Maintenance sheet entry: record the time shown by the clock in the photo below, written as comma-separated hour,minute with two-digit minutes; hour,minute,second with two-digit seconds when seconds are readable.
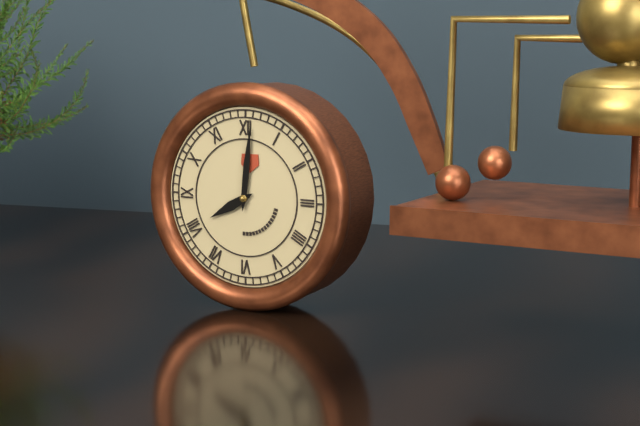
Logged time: 8,01
